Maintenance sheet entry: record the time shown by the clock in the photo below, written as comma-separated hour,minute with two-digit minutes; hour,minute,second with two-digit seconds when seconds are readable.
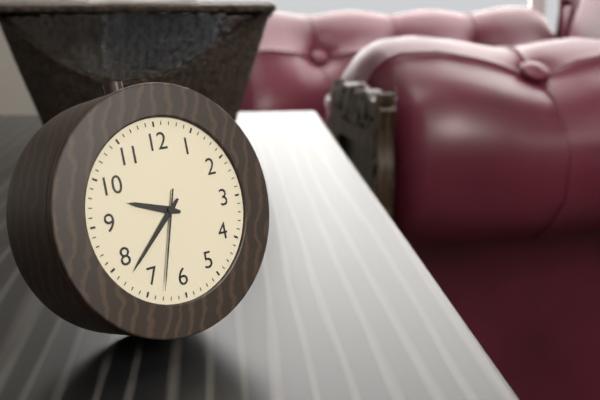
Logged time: 9,38,33
